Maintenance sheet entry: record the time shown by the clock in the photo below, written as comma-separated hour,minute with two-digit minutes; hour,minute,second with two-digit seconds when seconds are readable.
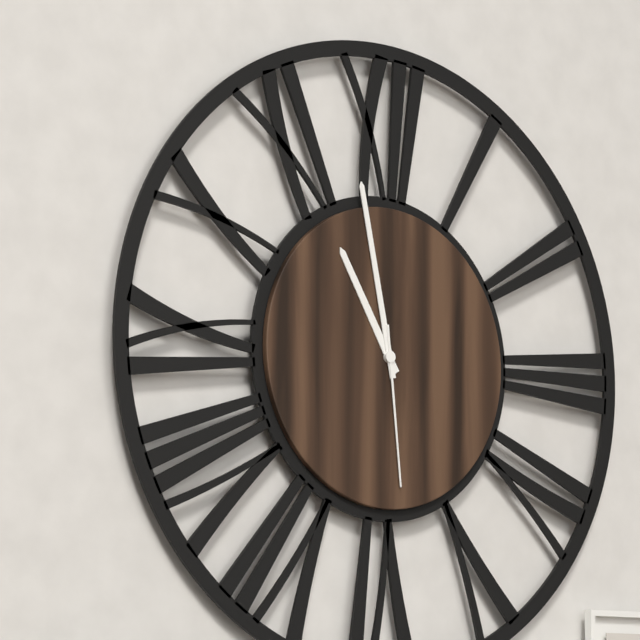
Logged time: 10,58,29
